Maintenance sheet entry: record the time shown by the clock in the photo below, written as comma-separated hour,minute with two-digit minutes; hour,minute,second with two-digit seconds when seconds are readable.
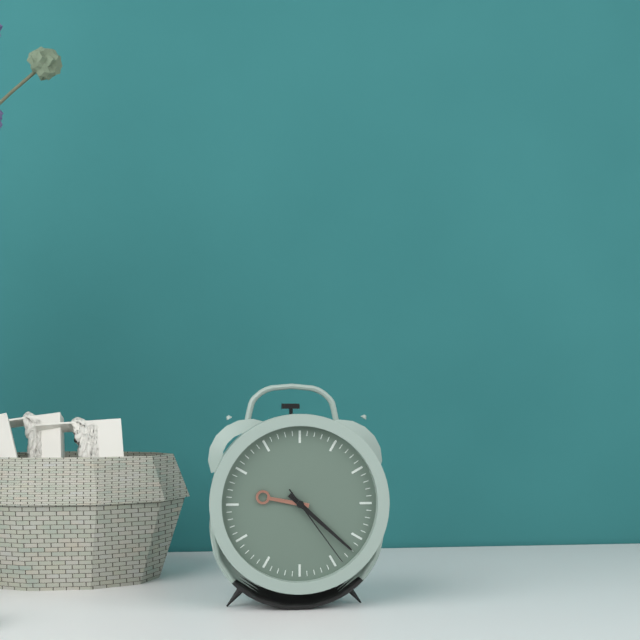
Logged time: 9,22,24
